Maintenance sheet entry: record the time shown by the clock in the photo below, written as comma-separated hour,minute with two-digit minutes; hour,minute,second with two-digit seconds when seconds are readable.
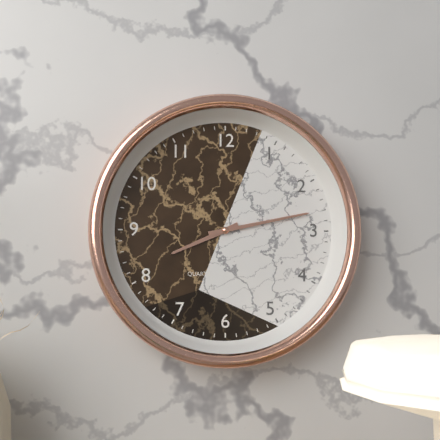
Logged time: 8,13
